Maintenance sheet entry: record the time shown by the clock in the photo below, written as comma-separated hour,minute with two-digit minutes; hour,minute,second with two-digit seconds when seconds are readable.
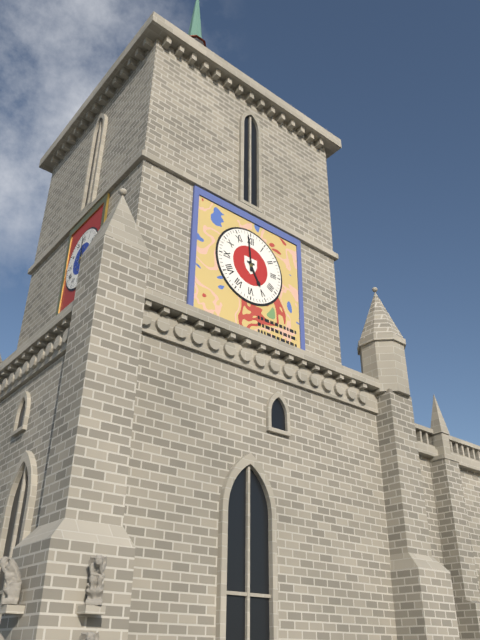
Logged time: 4,59
